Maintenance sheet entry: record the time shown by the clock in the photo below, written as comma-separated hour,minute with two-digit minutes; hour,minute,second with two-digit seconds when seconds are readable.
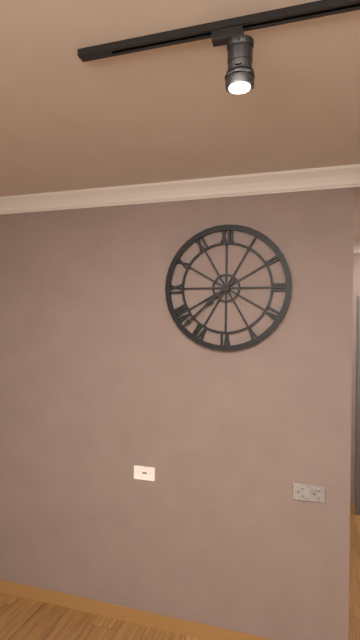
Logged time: 7,38
